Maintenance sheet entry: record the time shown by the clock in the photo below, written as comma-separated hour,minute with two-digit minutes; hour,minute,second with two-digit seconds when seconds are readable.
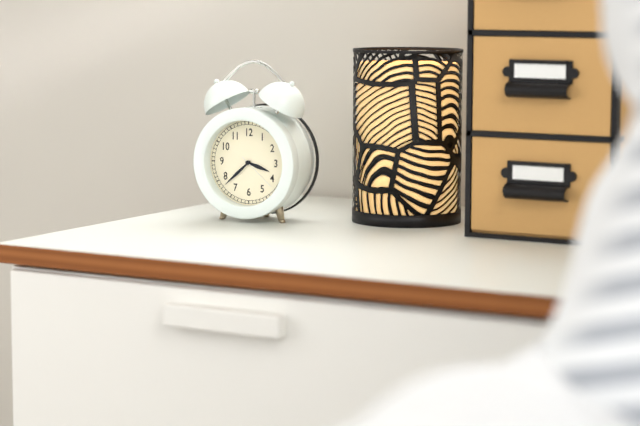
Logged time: 3,38
